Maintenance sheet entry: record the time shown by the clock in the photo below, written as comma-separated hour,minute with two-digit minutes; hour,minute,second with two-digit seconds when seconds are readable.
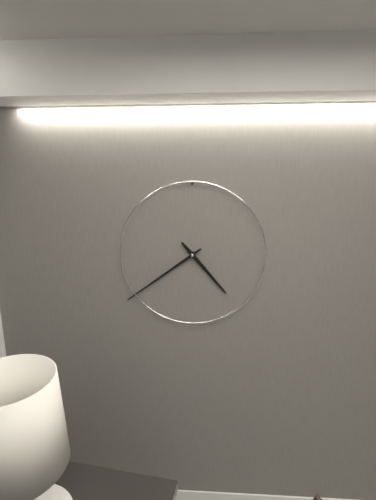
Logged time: 4,39
